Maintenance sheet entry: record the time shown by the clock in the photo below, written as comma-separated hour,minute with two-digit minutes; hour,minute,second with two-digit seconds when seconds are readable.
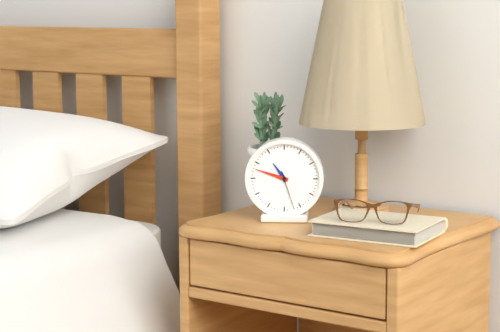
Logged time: 10,48
